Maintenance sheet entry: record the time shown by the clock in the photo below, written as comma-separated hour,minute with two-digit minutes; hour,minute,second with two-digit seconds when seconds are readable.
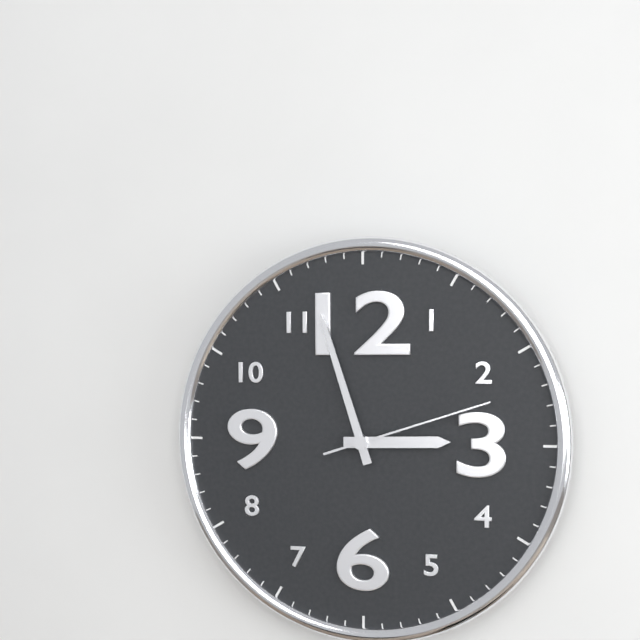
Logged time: 2,57,12
